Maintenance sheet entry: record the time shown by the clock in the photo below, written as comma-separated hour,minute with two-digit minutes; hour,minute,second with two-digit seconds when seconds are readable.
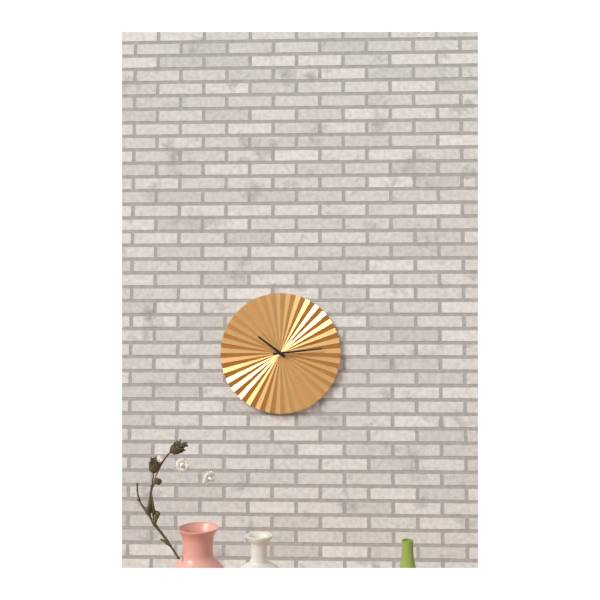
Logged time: 10,14
